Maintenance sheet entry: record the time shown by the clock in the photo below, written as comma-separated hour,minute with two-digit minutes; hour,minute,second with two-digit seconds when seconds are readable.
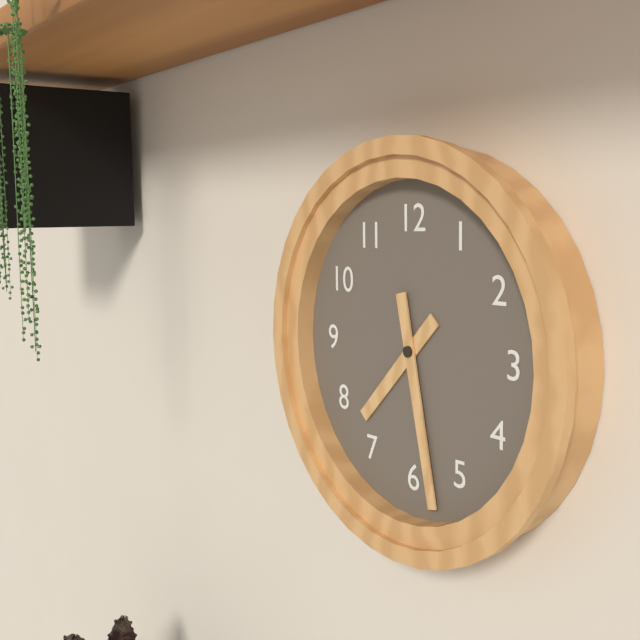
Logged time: 7,28
